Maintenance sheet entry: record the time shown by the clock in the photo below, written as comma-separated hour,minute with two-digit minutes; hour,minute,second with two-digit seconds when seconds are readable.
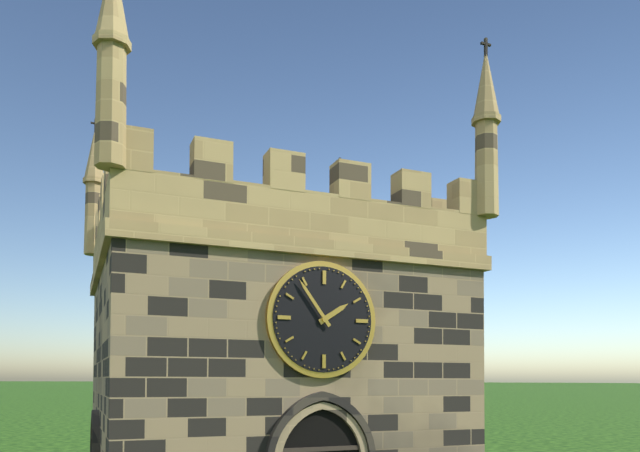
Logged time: 1,54
